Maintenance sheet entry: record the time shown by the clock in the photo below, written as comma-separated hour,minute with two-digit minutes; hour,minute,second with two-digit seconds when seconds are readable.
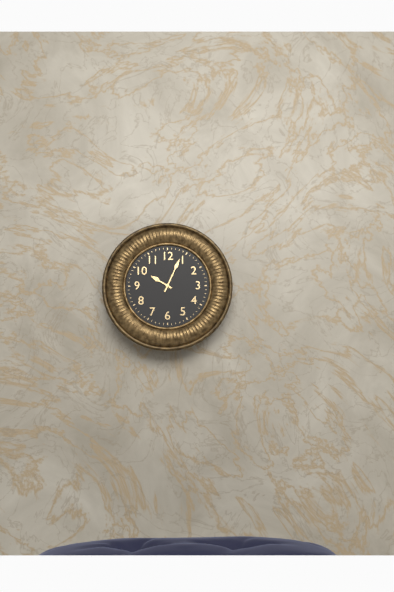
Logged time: 10,04
